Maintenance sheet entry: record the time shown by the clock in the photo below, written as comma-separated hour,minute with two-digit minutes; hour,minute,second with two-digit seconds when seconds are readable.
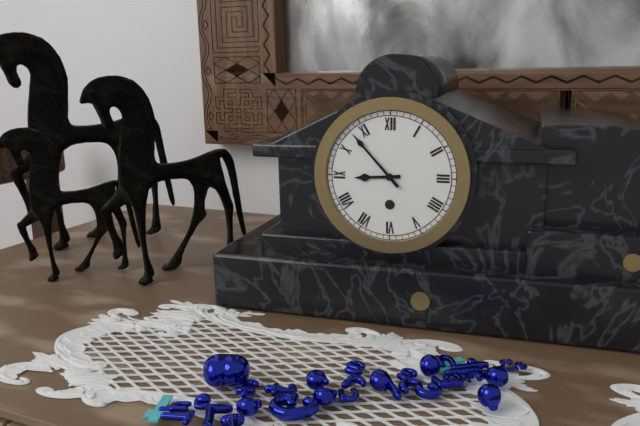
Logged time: 8,53
